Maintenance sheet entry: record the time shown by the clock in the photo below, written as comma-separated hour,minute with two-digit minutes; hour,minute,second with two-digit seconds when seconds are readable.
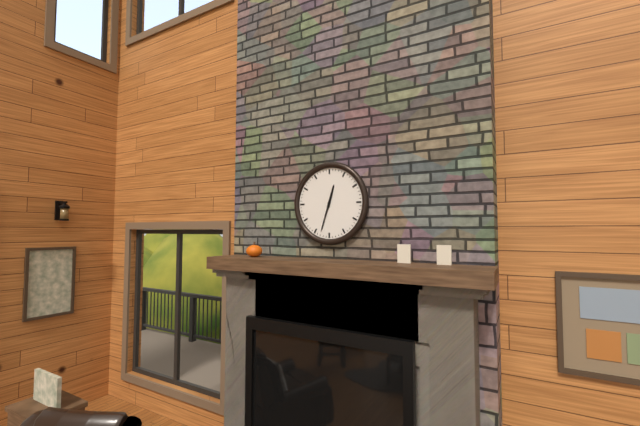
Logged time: 12,33
